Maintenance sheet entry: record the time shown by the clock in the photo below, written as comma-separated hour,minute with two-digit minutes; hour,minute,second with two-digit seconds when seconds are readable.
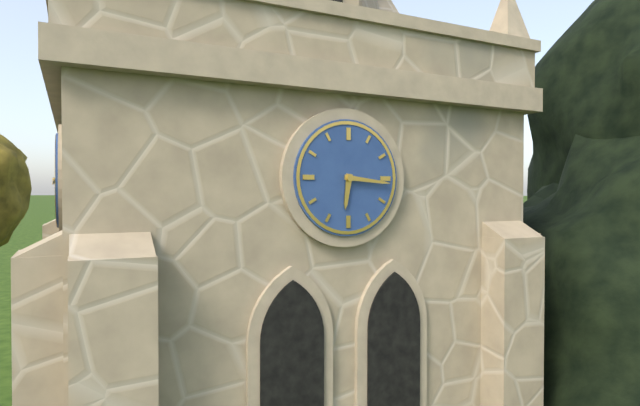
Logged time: 6,16
